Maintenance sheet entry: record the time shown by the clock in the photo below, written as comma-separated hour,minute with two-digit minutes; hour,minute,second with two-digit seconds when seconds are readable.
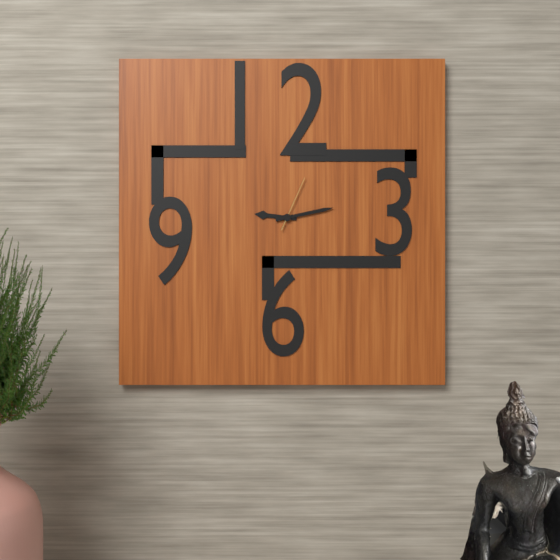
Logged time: 9,13,04
